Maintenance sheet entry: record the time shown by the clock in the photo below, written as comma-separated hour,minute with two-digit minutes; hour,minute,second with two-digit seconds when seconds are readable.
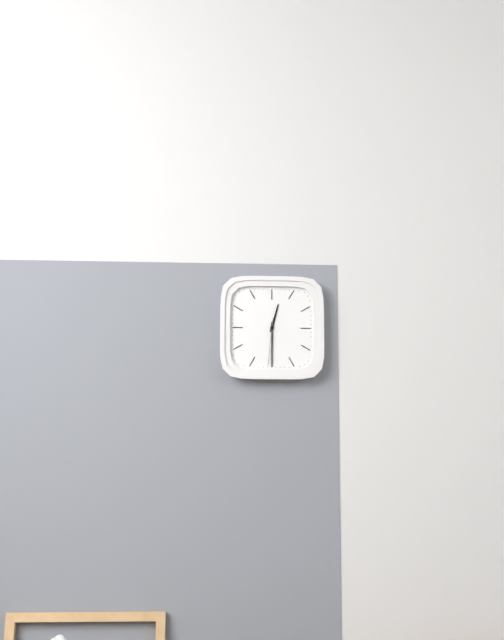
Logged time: 12,30
